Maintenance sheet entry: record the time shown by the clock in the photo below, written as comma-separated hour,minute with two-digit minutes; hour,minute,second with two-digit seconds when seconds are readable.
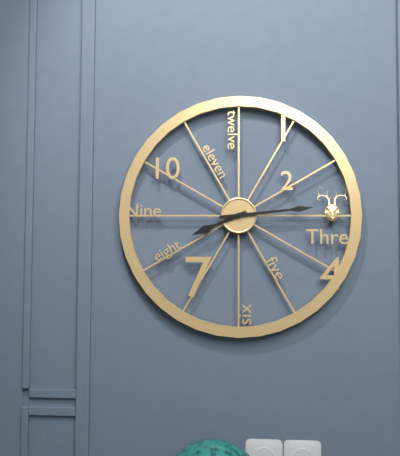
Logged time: 8,14
